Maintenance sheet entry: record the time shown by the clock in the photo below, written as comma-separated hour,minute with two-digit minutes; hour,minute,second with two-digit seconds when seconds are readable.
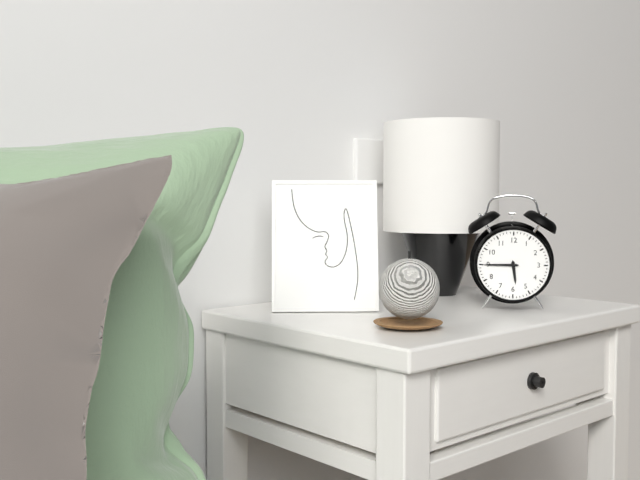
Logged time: 5,45
